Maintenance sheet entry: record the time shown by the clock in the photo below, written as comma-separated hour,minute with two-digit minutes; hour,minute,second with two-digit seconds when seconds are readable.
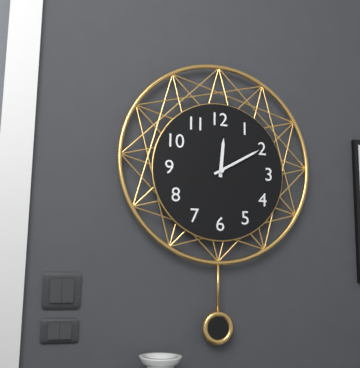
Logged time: 12,10
